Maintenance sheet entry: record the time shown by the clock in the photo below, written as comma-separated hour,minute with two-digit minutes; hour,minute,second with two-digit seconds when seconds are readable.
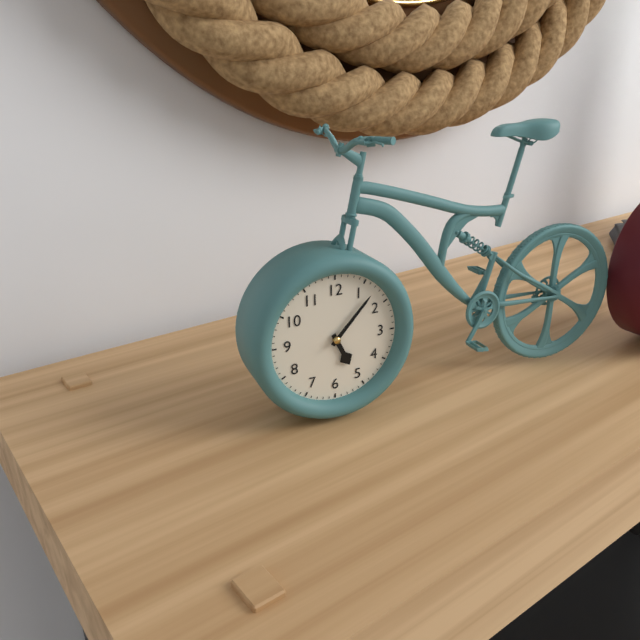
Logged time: 5,07
